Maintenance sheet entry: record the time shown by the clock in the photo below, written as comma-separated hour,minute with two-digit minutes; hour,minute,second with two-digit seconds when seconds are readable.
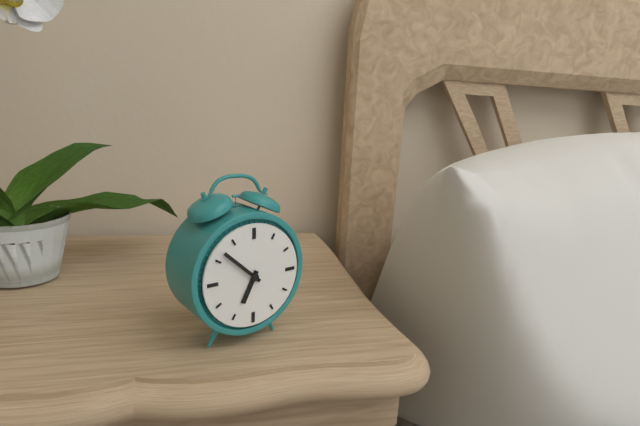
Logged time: 6,52
